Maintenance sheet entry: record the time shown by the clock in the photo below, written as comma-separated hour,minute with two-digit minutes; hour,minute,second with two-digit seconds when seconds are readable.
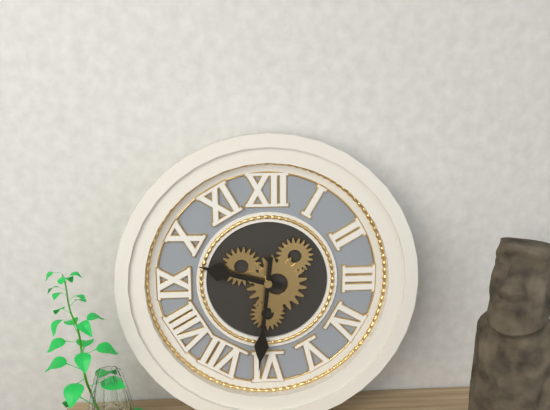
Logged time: 9,31
